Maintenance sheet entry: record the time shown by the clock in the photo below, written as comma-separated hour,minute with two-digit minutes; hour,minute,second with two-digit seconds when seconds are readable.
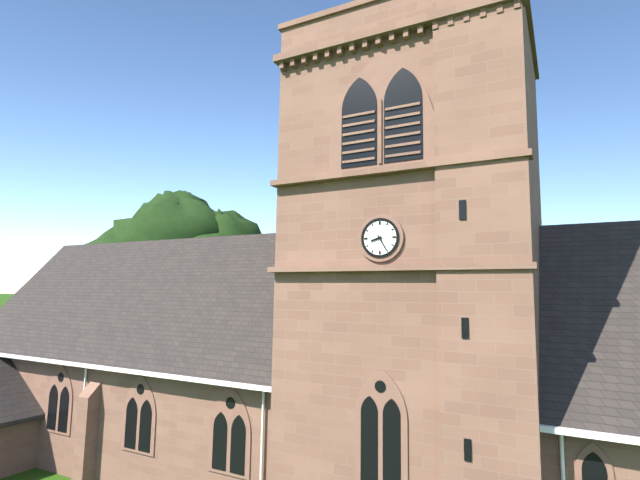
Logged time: 8,25
